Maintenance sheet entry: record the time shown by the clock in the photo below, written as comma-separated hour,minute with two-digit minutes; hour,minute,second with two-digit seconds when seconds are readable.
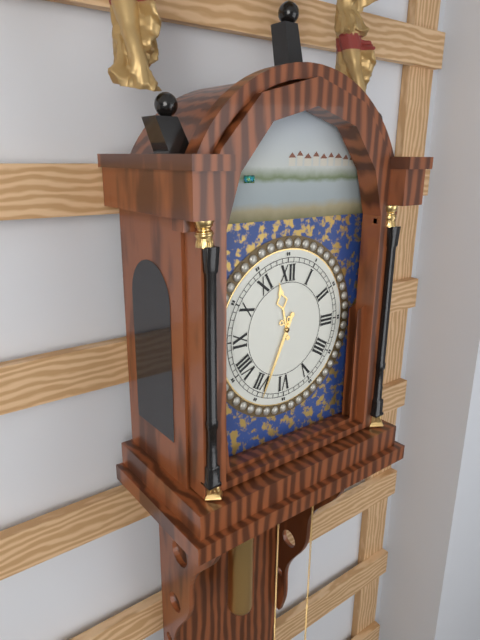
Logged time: 11,34
